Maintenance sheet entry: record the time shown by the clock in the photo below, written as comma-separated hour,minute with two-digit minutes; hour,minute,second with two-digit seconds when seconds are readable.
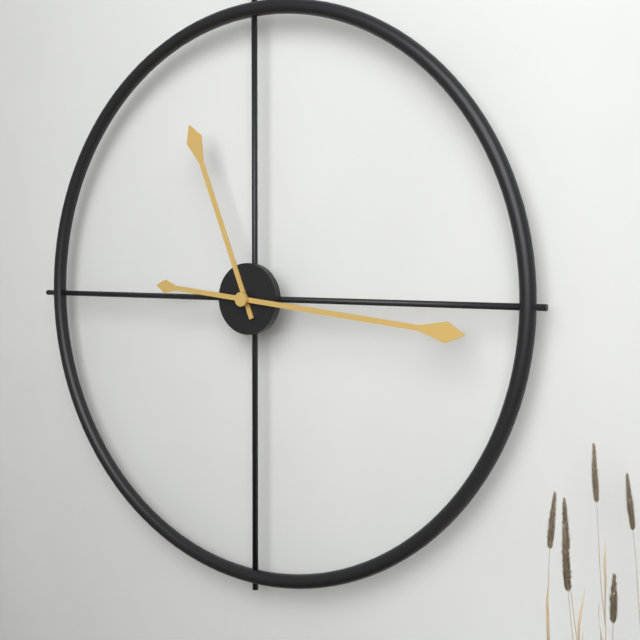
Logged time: 11,16
